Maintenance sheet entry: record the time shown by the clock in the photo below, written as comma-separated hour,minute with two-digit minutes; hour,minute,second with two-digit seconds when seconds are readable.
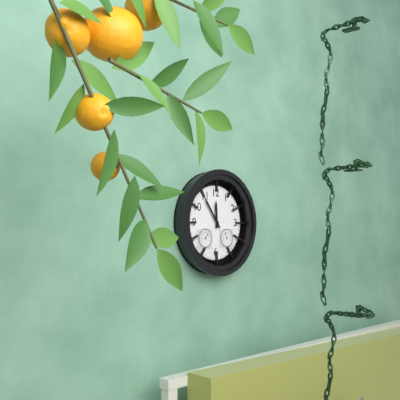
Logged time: 11,54
